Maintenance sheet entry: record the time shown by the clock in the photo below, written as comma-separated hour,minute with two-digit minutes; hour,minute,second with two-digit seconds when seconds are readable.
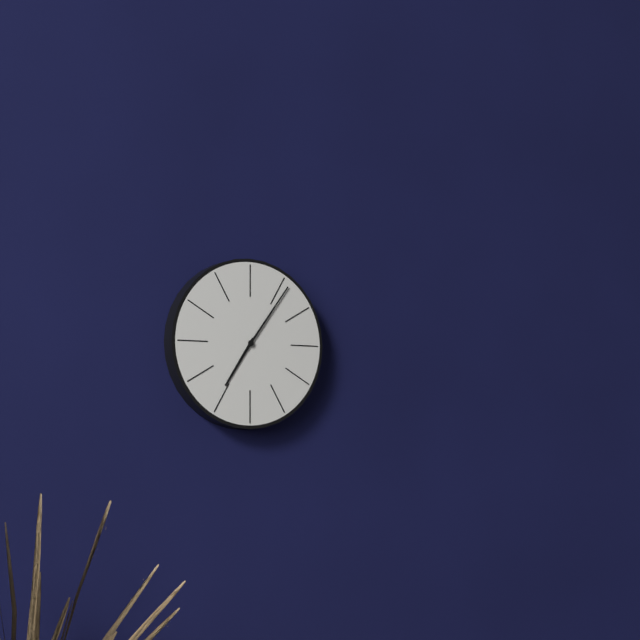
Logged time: 7,06
